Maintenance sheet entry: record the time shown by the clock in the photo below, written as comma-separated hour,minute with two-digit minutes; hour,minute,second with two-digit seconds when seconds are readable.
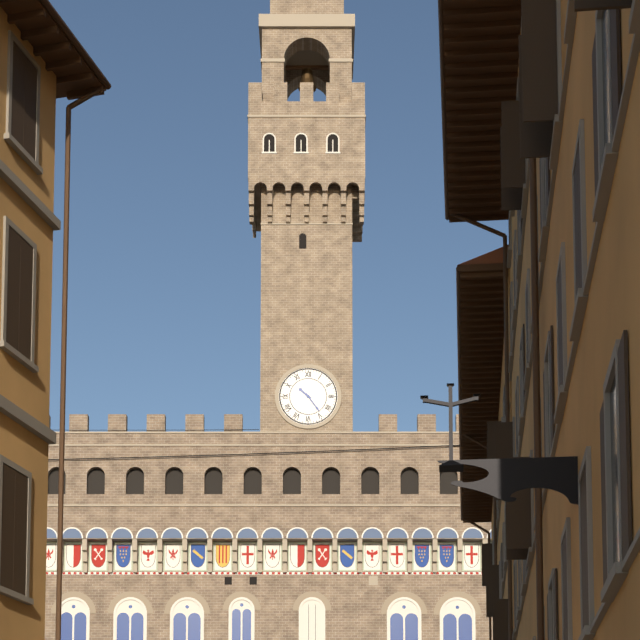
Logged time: 10,24
